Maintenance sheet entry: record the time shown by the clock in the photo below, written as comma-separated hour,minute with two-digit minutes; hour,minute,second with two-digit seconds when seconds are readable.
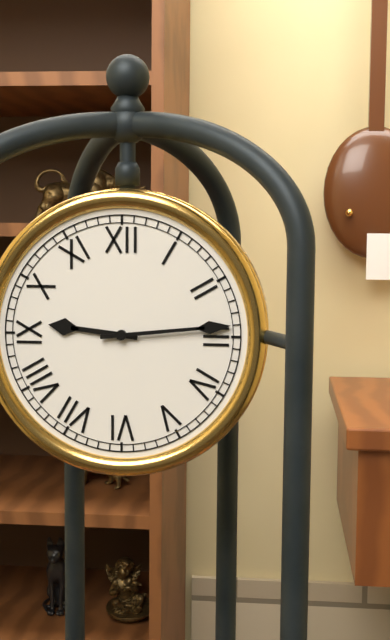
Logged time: 9,14
